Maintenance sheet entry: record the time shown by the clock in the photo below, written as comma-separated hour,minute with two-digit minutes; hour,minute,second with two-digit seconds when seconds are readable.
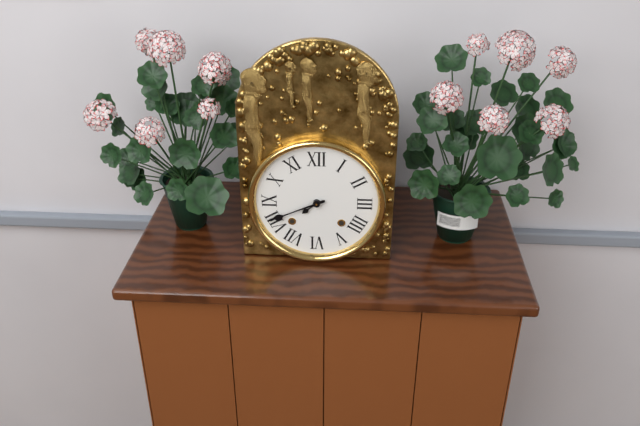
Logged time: 7,41
